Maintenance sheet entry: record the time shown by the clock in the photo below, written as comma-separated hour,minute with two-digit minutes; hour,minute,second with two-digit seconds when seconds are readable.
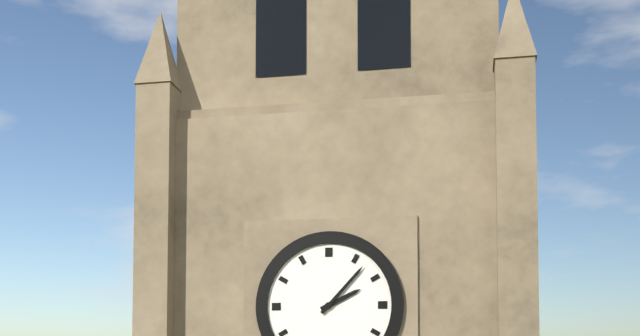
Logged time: 2,07
